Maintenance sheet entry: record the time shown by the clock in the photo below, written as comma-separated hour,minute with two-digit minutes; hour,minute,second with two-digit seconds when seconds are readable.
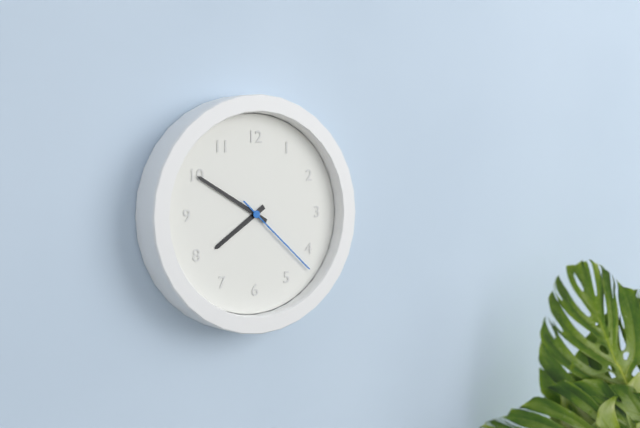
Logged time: 7,50,22
